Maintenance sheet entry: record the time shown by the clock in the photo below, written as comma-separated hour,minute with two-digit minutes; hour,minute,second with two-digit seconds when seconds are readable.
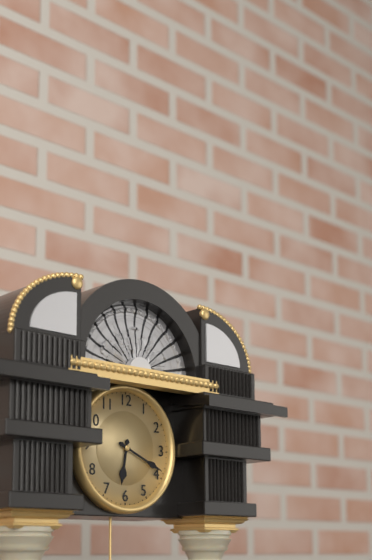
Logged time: 6,19
